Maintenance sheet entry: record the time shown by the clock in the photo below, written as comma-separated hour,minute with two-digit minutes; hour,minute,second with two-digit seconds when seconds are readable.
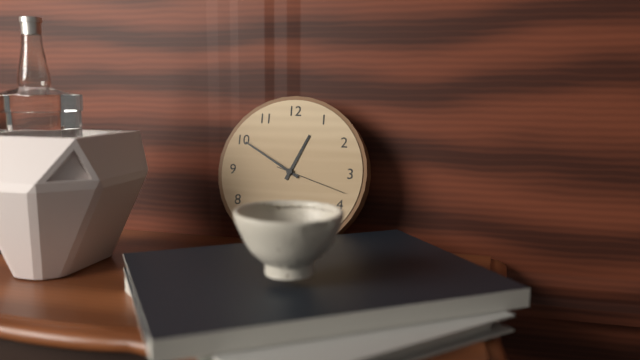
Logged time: 12,50,18
